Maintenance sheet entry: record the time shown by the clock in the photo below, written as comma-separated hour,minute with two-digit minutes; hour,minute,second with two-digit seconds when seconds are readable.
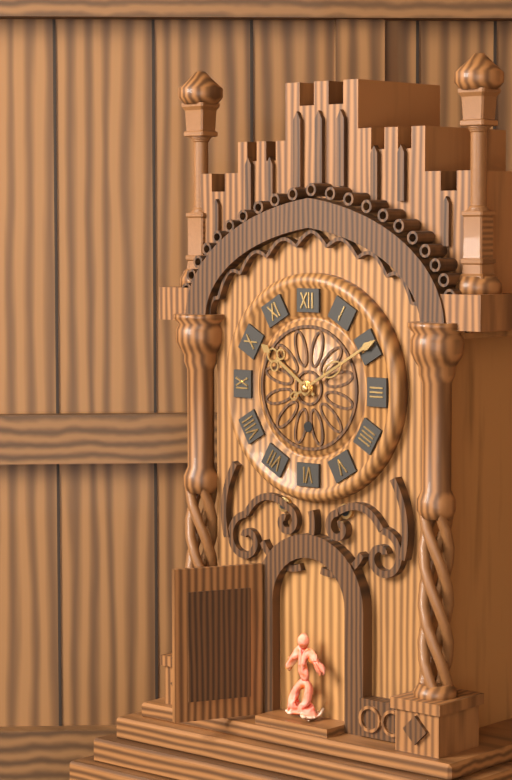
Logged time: 10,10
